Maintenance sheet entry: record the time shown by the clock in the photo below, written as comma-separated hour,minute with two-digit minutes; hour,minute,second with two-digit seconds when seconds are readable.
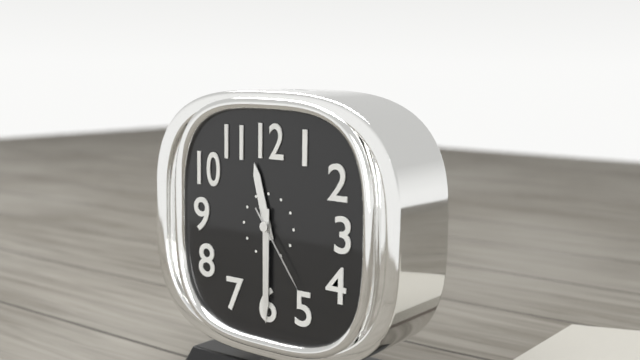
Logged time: 11,30,24
